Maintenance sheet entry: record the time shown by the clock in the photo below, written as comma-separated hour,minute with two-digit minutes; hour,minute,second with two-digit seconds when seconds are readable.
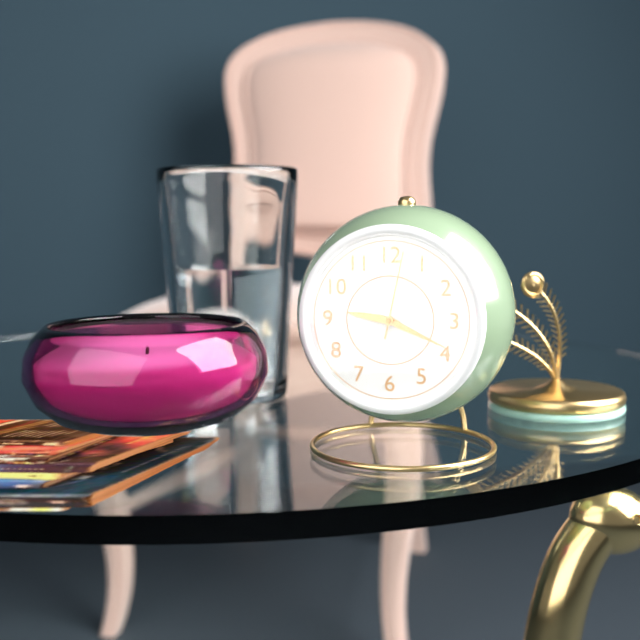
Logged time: 9,19,02
